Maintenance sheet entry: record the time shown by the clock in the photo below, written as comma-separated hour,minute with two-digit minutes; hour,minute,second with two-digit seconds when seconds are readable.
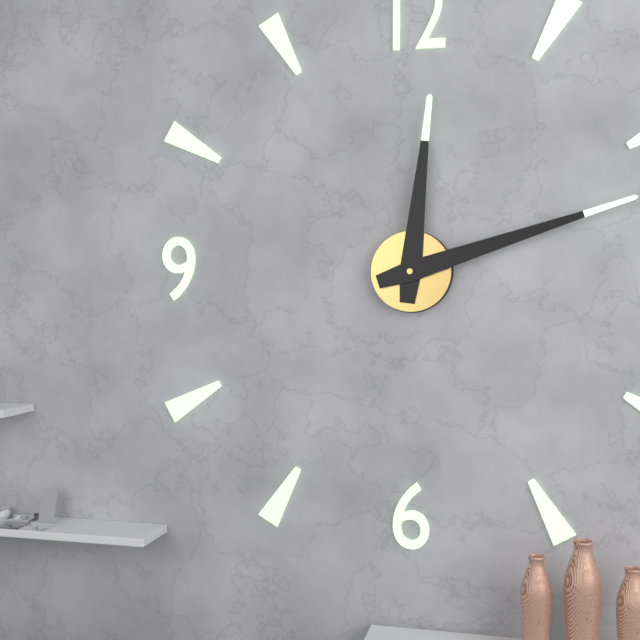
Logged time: 12,12
